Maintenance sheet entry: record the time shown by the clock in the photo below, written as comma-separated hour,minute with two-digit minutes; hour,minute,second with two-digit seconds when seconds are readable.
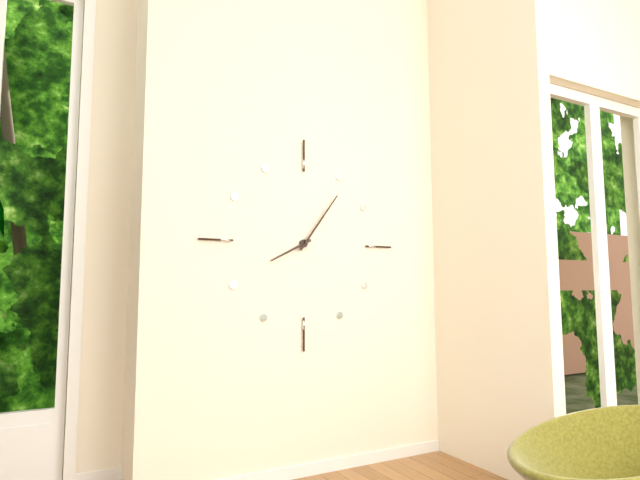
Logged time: 8,06
